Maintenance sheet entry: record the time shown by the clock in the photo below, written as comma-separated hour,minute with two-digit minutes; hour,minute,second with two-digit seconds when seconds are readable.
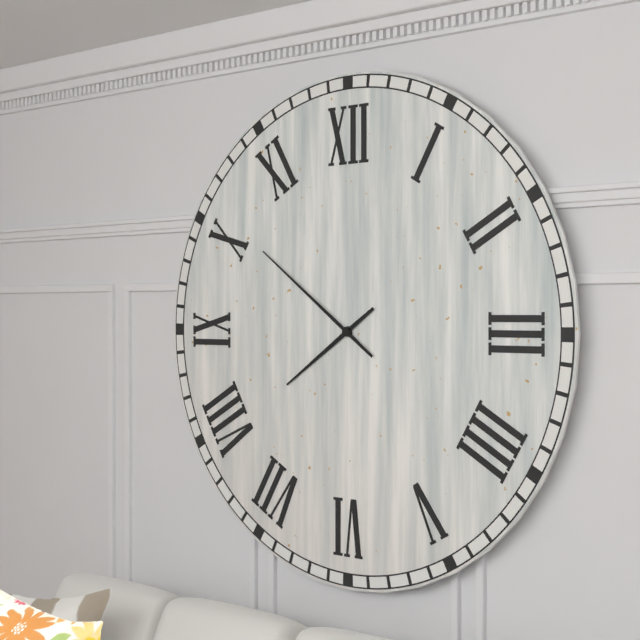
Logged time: 7,51
